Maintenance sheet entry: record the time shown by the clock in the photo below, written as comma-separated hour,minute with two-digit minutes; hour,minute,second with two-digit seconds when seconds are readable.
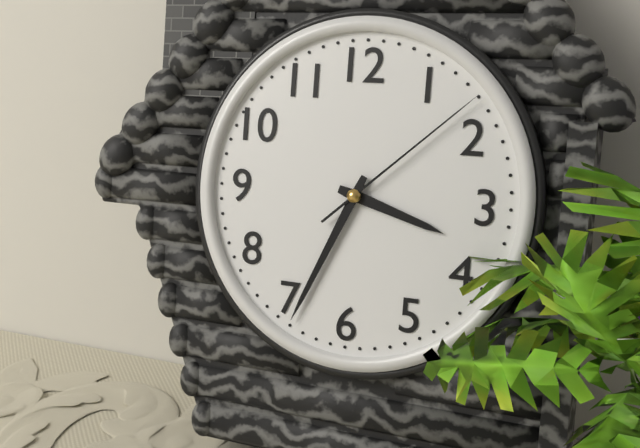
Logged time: 3,34,08
